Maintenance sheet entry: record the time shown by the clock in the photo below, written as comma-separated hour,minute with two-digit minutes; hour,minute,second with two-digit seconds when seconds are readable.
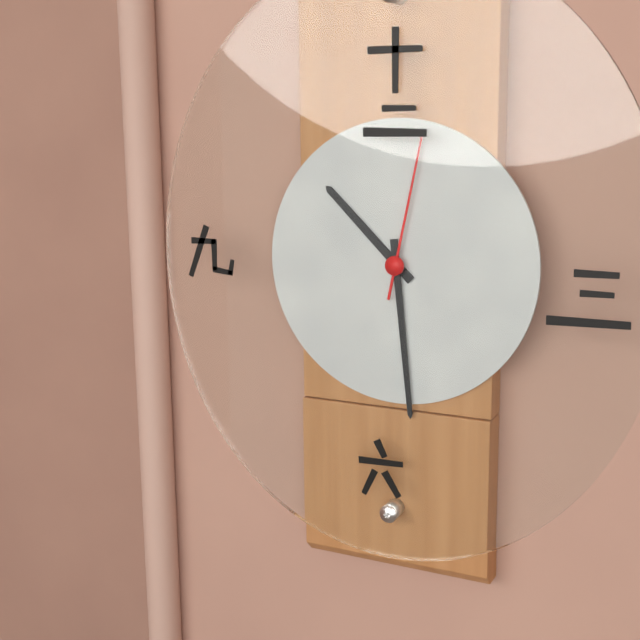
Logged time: 10,29,02
